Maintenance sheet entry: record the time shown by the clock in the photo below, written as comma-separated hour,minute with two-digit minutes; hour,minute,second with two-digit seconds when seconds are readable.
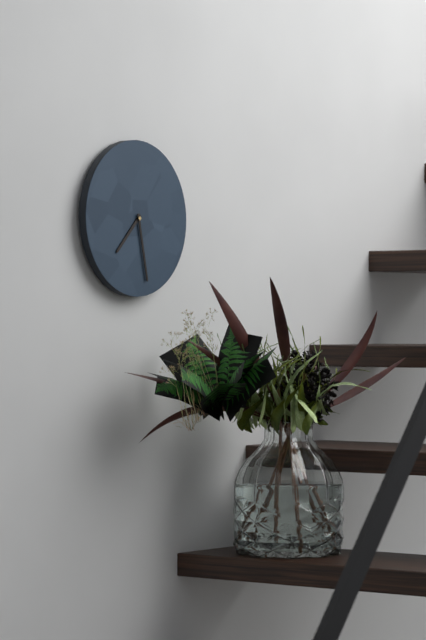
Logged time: 7,28
